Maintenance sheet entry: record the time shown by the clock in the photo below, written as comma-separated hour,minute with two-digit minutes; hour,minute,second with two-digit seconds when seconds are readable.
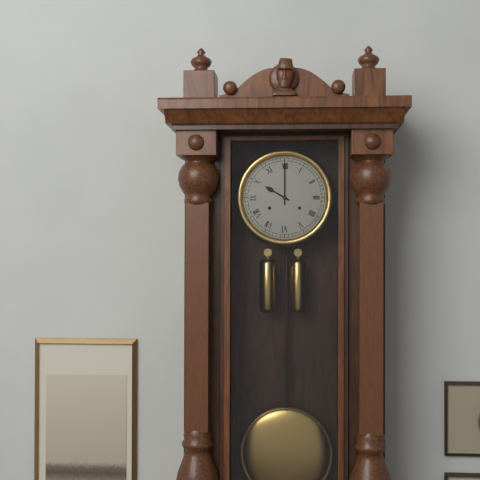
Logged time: 10,00
